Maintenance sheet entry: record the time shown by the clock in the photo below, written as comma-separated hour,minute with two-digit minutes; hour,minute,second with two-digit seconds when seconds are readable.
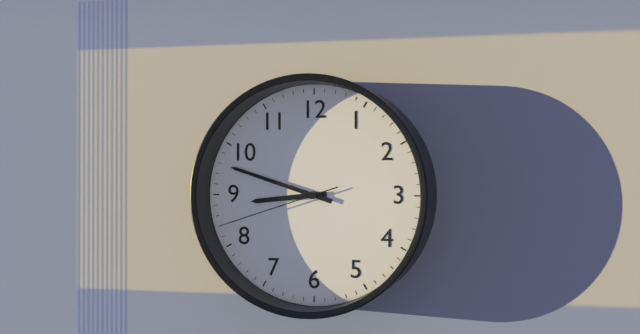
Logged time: 8,48,42
